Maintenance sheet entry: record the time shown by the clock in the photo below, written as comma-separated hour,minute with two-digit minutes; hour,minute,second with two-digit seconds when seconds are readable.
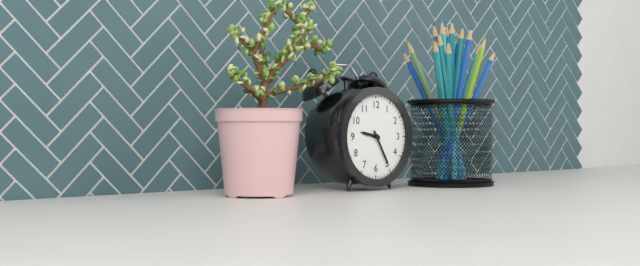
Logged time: 9,25
